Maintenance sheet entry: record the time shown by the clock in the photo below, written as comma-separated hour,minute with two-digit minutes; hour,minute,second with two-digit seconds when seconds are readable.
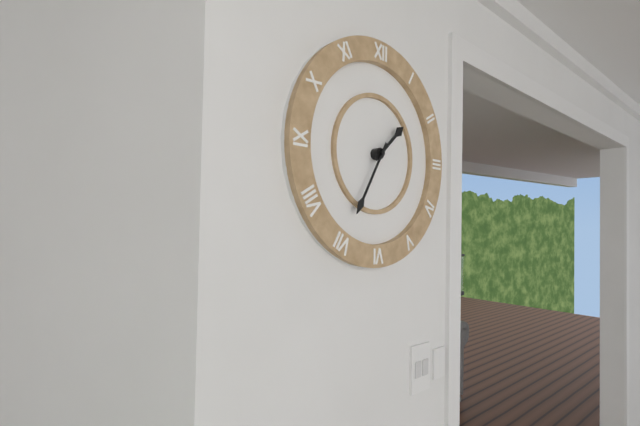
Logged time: 1,35
